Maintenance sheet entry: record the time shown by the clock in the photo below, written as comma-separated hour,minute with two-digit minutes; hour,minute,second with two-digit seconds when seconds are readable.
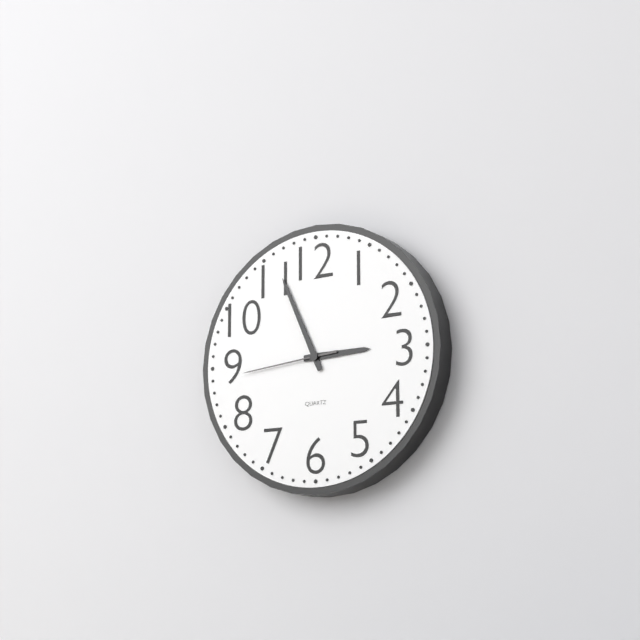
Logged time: 2,56,44
